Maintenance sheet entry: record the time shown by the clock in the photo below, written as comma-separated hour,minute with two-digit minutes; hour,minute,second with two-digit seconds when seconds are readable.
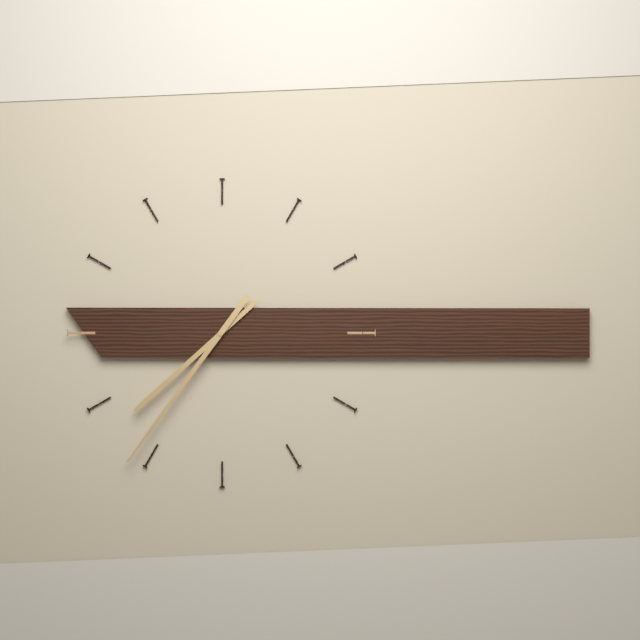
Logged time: 7,36
